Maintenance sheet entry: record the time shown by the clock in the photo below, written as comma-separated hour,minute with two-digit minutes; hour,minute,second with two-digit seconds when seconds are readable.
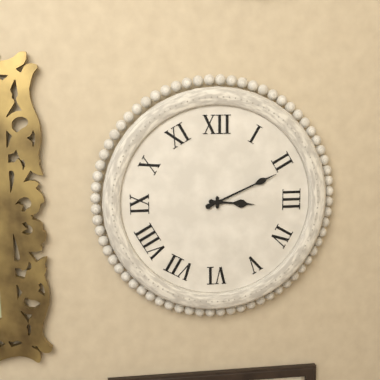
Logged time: 3,11
